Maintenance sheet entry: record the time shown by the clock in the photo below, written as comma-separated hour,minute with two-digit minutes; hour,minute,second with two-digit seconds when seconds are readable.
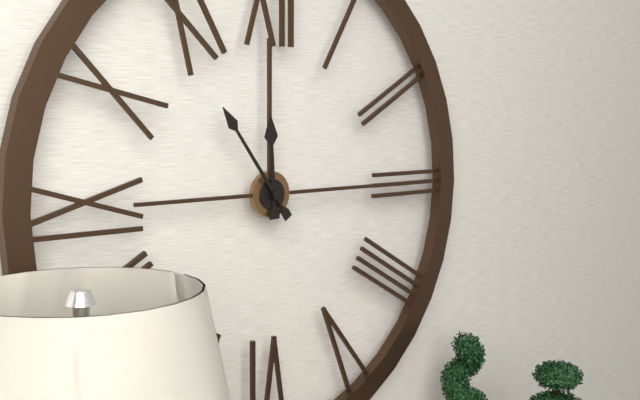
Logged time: 11,54
